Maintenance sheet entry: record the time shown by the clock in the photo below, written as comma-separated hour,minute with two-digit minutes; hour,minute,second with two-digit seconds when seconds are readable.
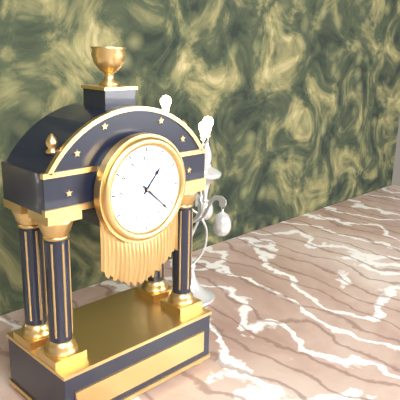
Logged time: 1,22
